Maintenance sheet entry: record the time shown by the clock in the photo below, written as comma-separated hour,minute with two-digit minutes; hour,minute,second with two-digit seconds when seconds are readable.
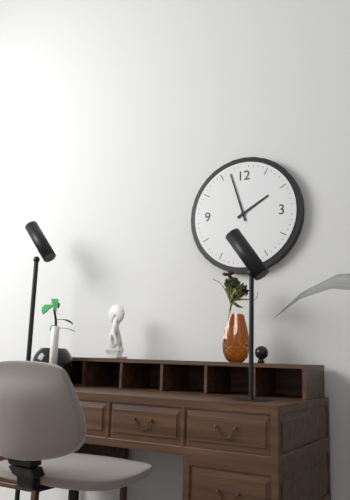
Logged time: 1,57
